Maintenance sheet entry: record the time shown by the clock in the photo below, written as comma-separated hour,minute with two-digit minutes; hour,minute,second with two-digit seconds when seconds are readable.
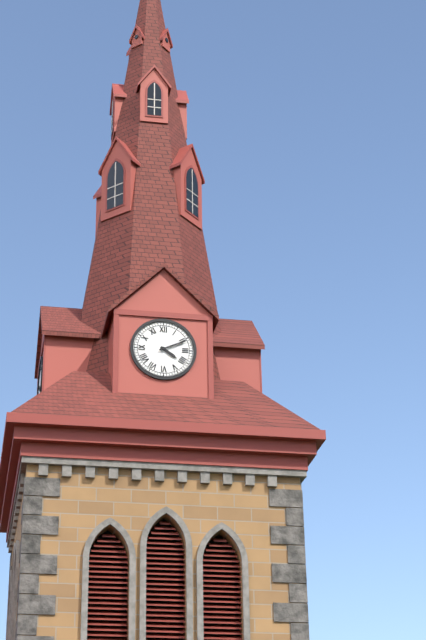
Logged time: 4,11
